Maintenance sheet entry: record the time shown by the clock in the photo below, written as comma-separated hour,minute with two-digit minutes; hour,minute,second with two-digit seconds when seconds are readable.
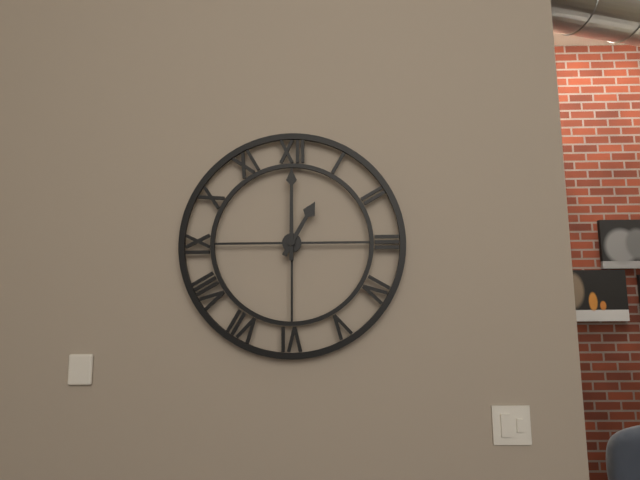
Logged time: 1,00
